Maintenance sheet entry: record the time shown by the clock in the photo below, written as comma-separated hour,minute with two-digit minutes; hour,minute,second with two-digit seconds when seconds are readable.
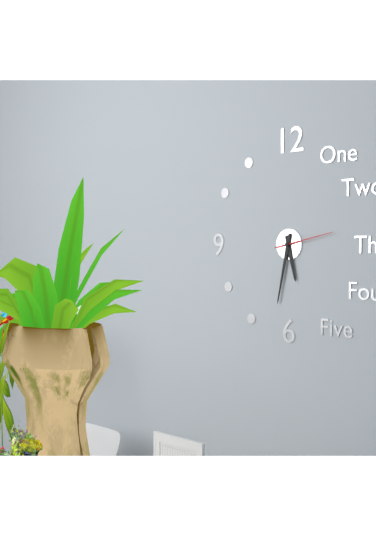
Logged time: 5,32,13
